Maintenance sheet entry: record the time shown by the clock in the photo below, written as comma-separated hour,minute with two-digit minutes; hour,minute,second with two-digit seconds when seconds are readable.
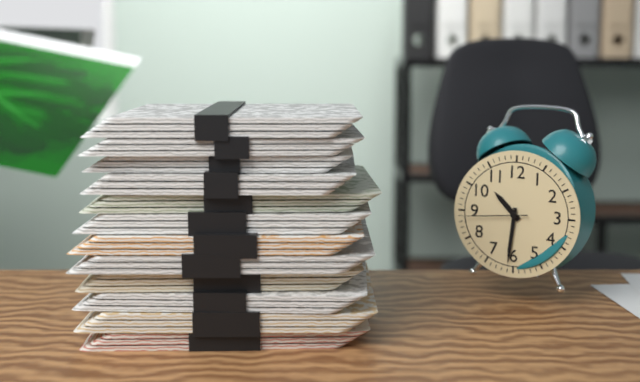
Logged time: 10,31,44
